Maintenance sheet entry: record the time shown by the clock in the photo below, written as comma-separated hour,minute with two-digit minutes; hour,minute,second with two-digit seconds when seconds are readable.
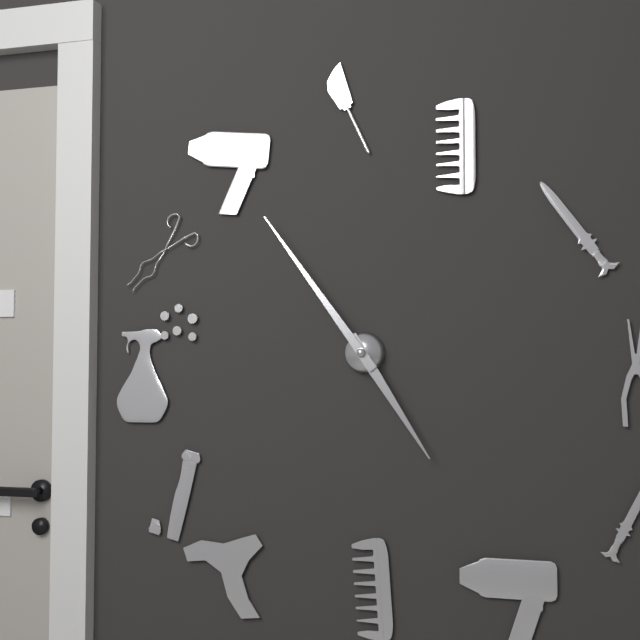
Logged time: 4,54
